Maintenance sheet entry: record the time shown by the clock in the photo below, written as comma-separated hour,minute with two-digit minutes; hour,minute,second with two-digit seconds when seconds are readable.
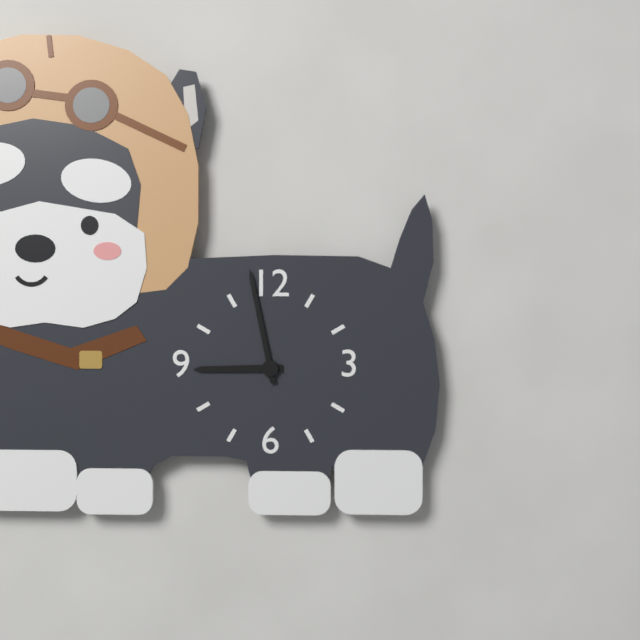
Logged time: 8,58
